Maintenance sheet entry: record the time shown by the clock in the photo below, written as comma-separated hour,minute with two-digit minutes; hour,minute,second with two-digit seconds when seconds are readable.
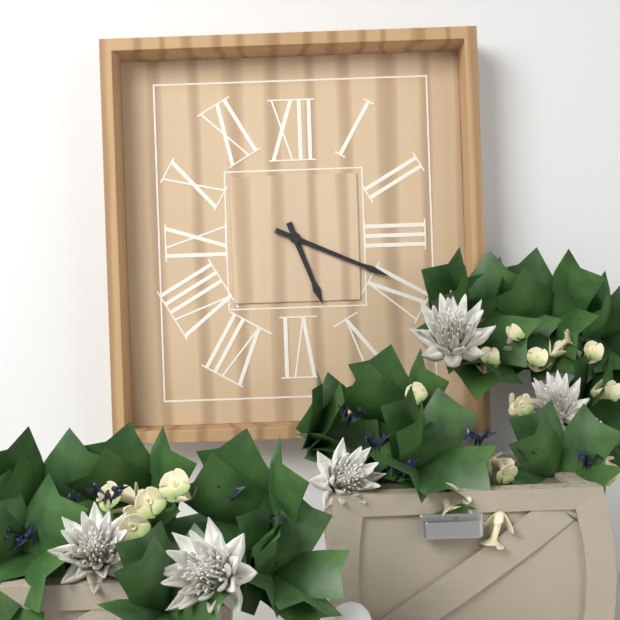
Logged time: 5,19
